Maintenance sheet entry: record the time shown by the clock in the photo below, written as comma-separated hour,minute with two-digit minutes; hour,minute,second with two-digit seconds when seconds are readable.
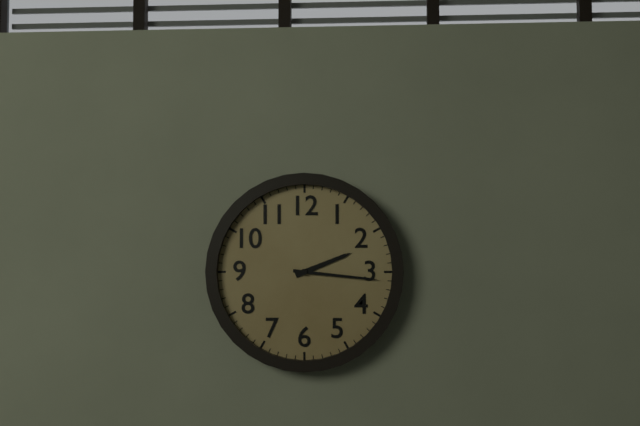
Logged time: 2,16
